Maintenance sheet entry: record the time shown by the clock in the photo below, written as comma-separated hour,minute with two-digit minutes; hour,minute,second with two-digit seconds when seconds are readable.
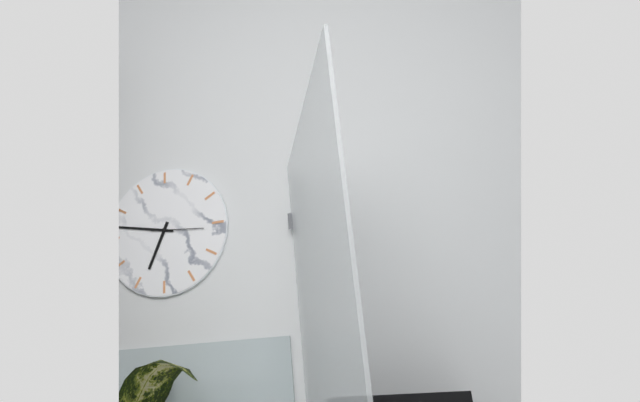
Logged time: 6,47,16
